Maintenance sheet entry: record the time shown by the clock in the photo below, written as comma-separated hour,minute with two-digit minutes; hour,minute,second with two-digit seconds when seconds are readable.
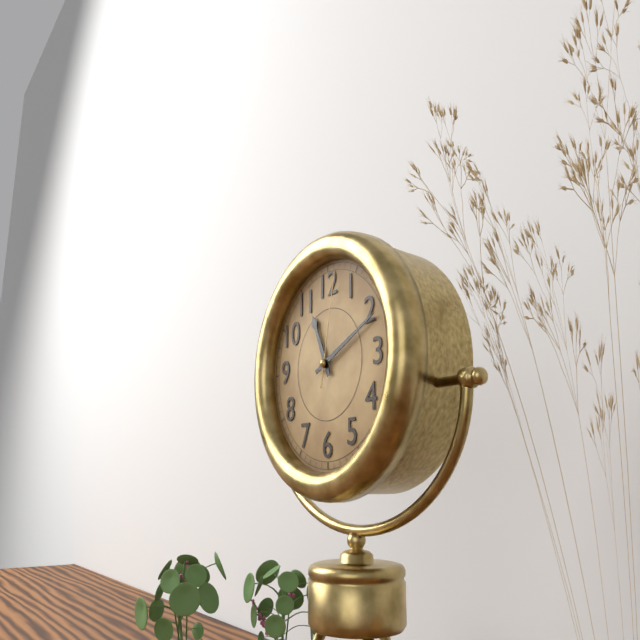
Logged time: 11,11,02
